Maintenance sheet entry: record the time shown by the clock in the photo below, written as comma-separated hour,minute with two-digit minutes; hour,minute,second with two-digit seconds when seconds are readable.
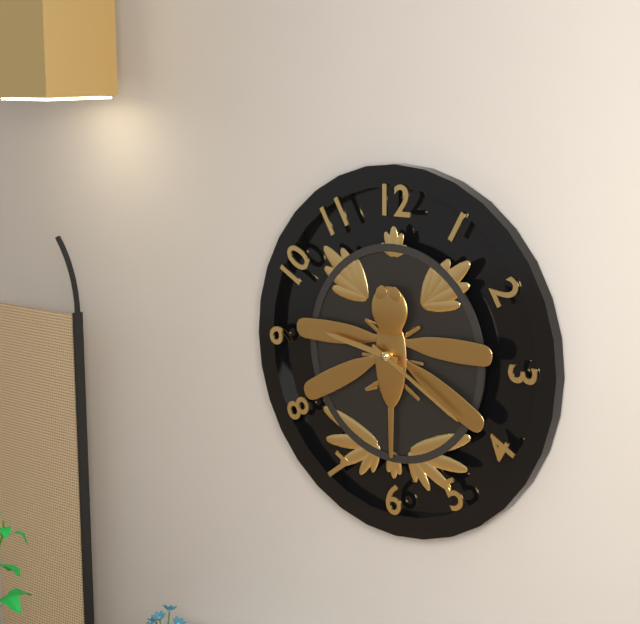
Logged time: 9,20
